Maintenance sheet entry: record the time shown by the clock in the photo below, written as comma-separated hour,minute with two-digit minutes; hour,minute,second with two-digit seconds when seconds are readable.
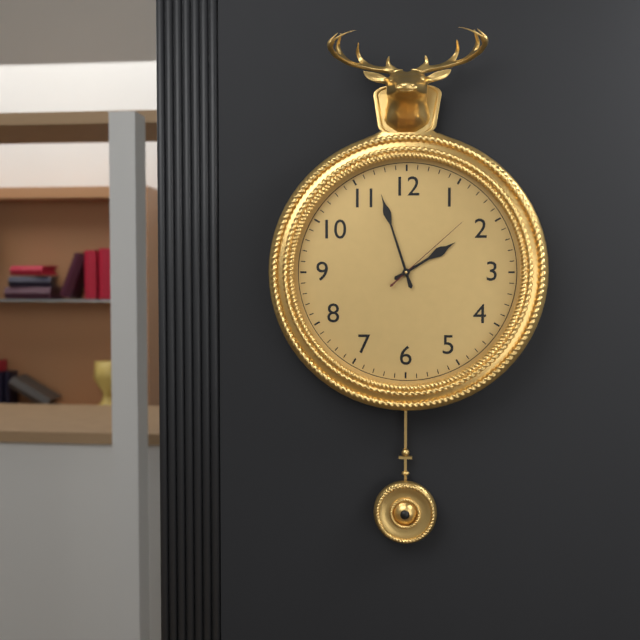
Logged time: 1,57,08
